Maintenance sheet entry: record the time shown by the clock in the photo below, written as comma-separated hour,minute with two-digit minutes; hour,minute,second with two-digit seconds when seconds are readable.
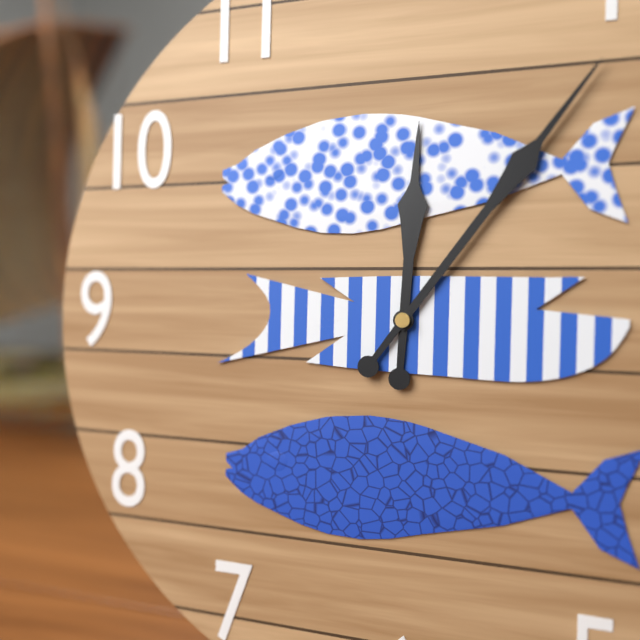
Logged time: 12,06
